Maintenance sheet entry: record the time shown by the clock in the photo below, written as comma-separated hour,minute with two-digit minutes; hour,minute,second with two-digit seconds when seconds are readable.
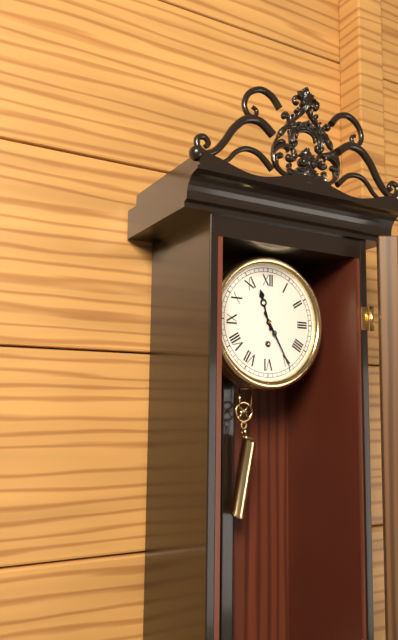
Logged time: 11,25
